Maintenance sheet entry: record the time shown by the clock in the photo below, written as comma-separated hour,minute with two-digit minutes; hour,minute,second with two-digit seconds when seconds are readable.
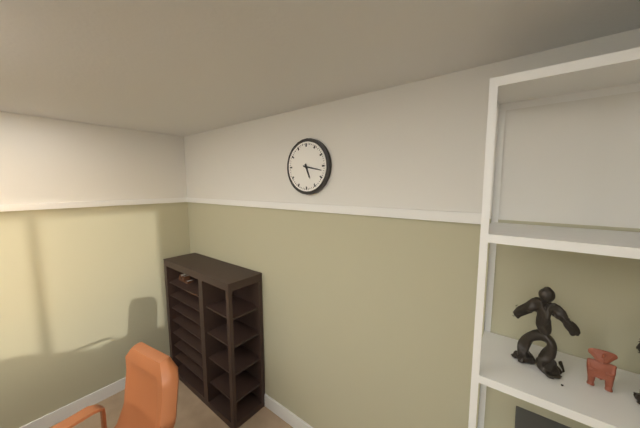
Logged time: 5,17
